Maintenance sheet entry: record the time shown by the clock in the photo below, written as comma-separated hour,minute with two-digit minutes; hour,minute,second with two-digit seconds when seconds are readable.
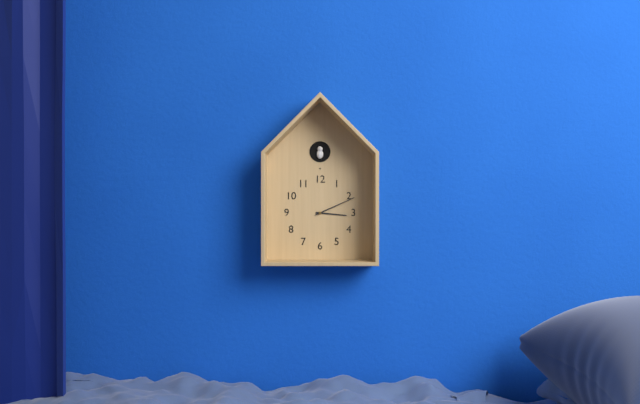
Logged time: 3,11
